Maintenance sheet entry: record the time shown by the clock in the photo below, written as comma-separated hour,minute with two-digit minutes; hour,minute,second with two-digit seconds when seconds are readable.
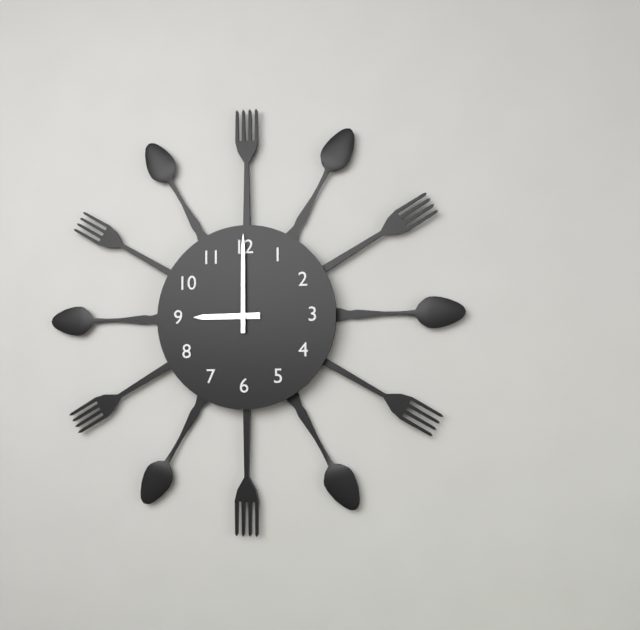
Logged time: 9,00
